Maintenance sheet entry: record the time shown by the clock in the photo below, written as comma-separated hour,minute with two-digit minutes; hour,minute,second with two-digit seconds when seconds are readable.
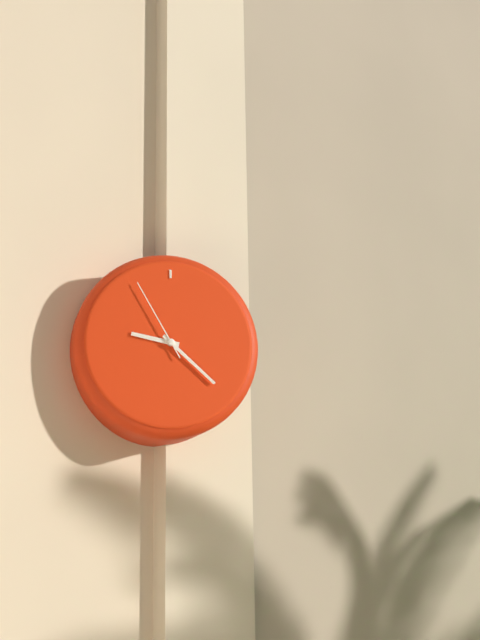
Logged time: 9,22,55
